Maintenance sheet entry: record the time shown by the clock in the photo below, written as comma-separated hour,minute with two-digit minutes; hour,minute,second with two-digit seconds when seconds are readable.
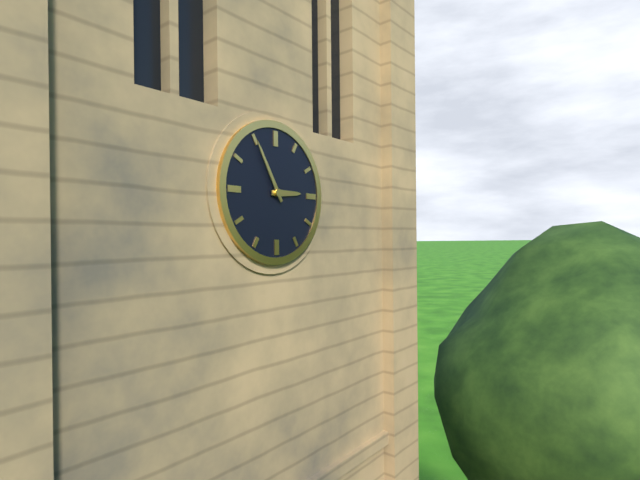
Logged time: 2,55
